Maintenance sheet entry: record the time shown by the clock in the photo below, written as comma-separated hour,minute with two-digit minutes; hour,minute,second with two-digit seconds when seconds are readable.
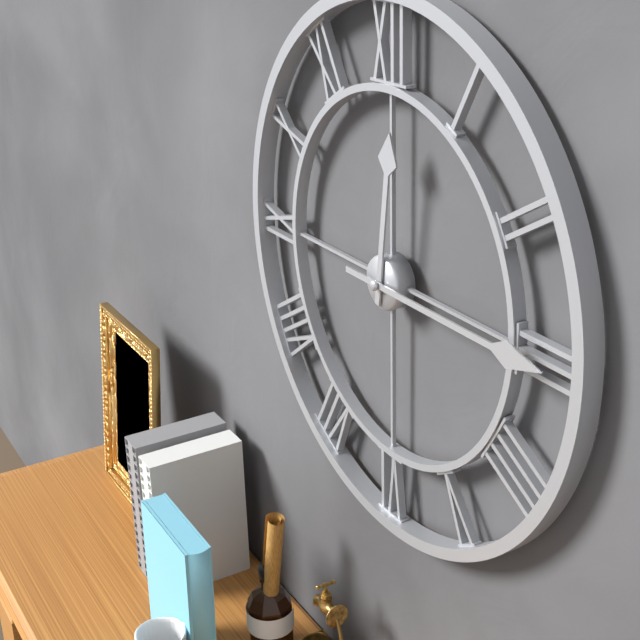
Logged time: 12,15
